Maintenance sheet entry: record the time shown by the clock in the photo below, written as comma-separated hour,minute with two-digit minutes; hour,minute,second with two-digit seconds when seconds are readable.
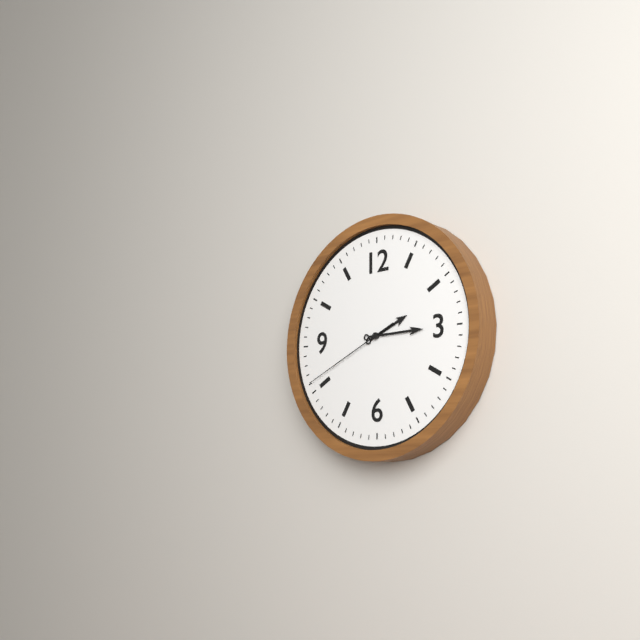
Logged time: 2,15,41
